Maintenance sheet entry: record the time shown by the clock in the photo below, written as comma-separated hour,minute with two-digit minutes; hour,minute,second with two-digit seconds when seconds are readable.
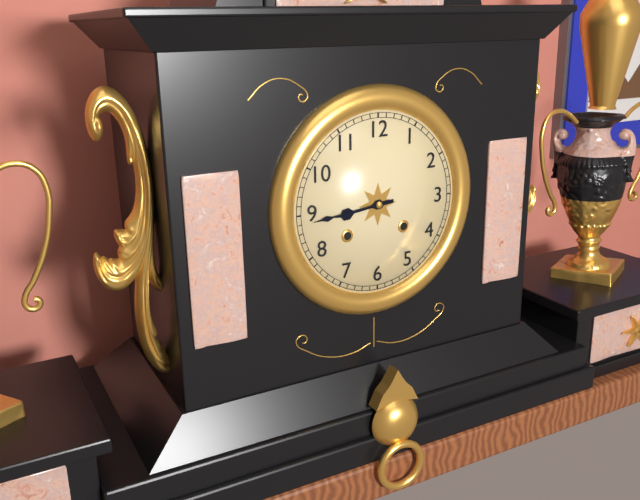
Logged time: 8,44
